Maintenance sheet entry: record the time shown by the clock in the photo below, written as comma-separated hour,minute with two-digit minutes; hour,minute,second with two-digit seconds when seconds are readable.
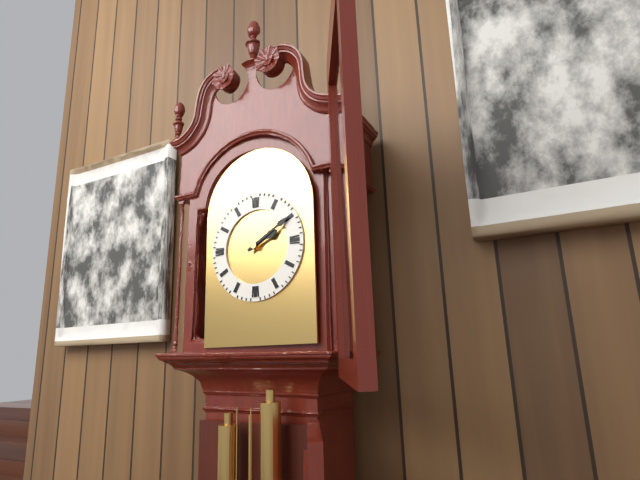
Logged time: 2,10
